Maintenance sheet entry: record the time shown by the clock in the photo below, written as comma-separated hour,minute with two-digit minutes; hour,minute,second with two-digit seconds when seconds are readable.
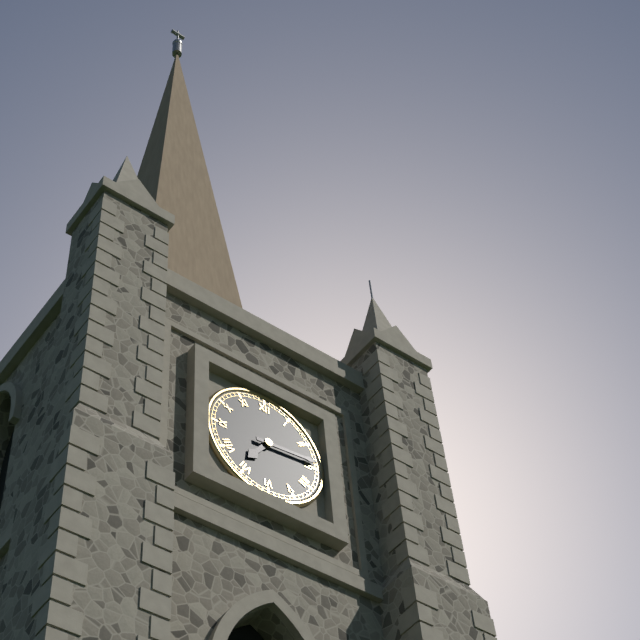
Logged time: 7,14
